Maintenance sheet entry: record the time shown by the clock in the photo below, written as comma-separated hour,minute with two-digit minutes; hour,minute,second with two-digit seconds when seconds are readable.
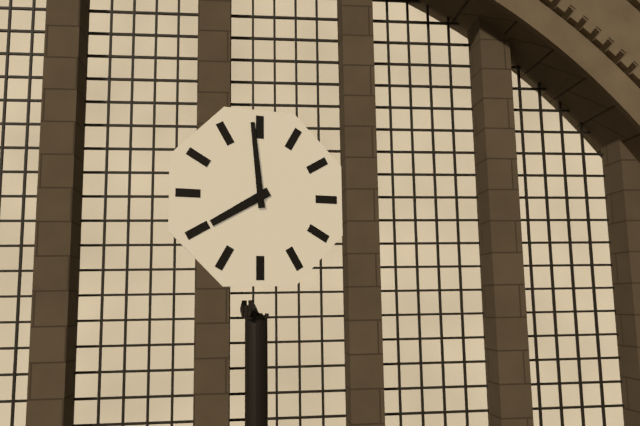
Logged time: 7,59
